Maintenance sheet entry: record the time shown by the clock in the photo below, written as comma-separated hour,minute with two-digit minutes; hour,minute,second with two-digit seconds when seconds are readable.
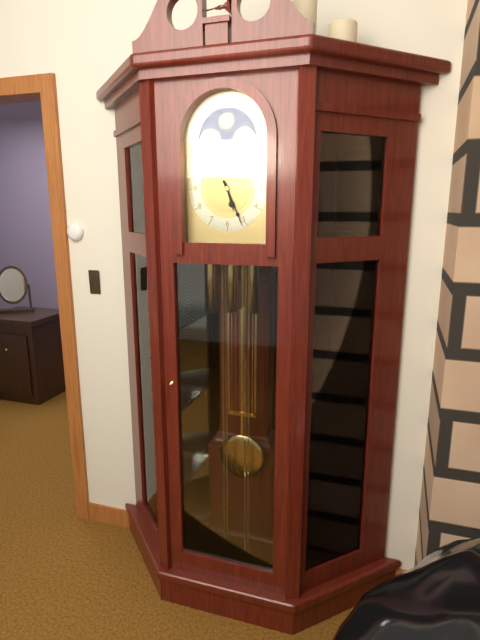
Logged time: 5,26
